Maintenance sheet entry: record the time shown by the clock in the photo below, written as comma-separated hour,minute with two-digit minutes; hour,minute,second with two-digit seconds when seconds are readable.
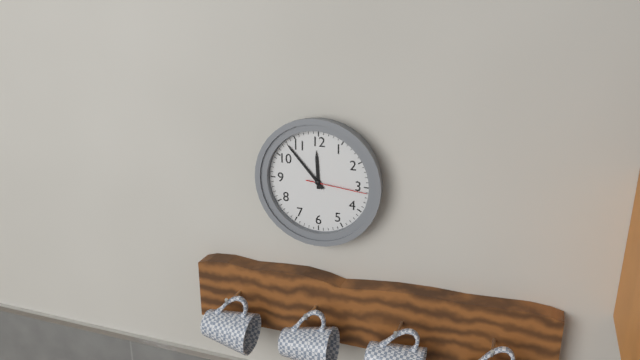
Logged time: 11,53,16
